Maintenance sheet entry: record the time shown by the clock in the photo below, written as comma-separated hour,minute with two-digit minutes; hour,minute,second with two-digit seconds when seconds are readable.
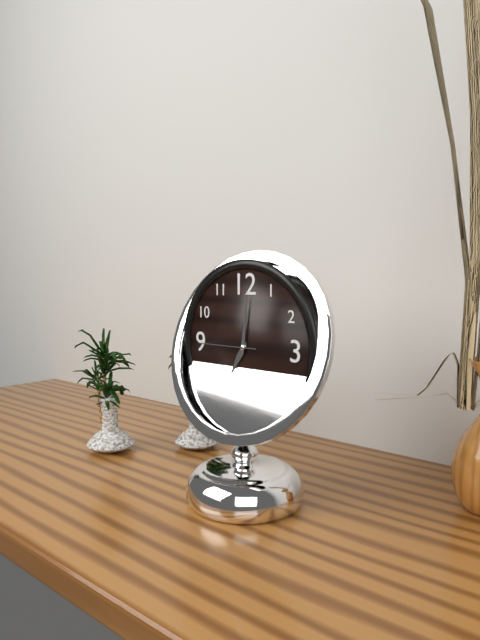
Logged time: 7,01,45
